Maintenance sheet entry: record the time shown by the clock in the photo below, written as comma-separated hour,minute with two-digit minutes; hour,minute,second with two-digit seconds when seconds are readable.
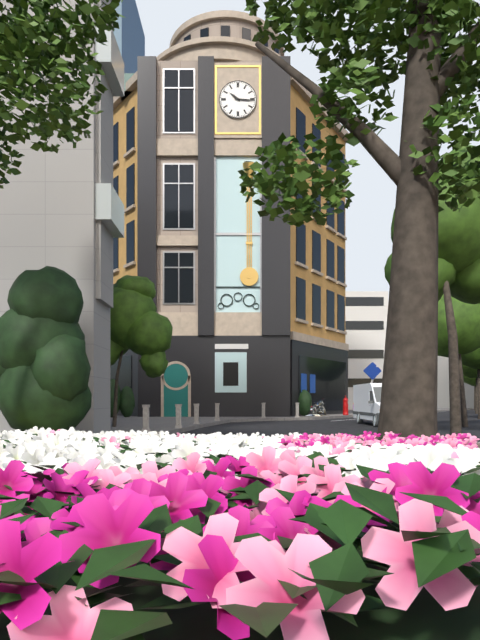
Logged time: 10,16
